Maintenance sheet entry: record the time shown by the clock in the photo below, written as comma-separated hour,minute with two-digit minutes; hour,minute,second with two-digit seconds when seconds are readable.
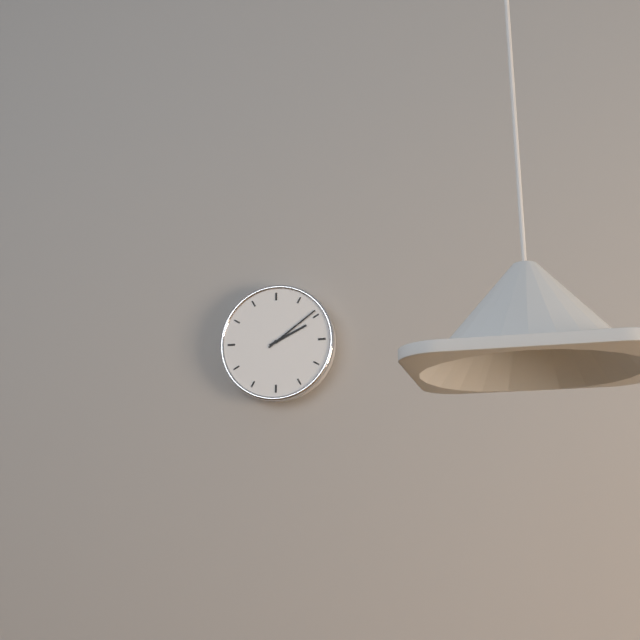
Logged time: 2,09
